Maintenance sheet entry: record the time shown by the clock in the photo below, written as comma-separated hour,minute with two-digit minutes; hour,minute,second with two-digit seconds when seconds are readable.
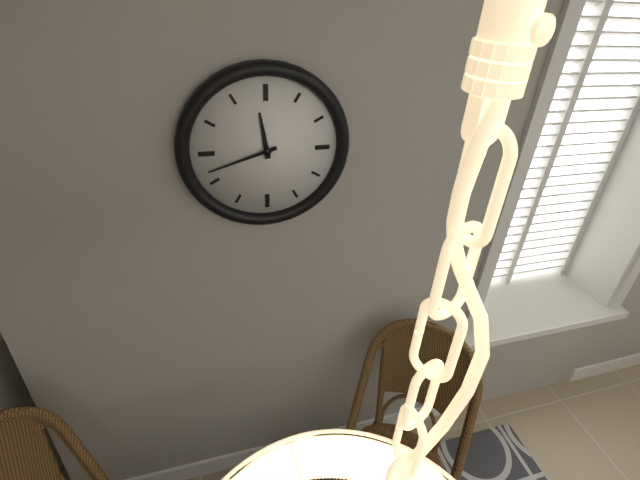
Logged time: 11,42
